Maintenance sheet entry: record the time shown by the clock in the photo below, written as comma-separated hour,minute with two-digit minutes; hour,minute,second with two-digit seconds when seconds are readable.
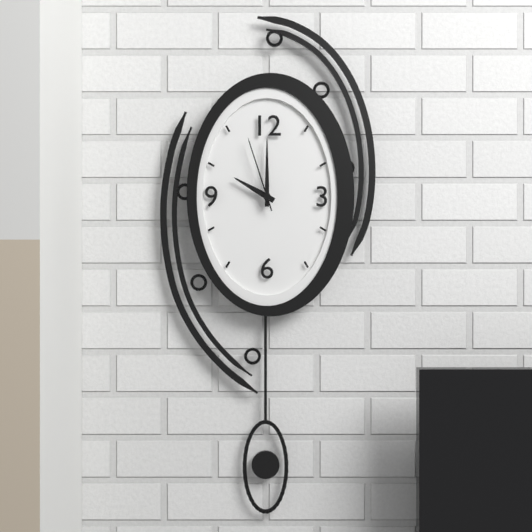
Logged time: 10,00,57
